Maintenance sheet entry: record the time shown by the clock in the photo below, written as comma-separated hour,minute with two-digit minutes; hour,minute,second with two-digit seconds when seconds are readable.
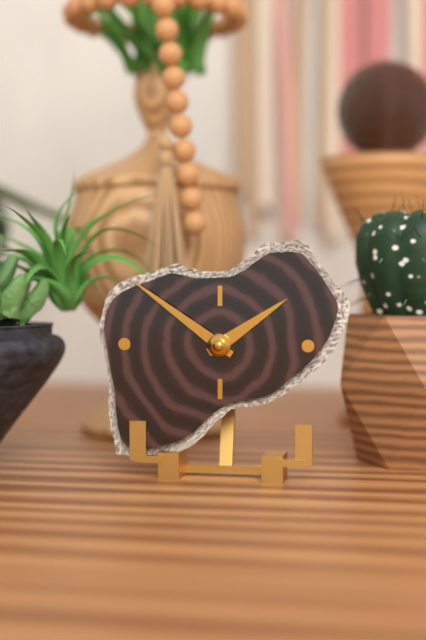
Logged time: 1,51
